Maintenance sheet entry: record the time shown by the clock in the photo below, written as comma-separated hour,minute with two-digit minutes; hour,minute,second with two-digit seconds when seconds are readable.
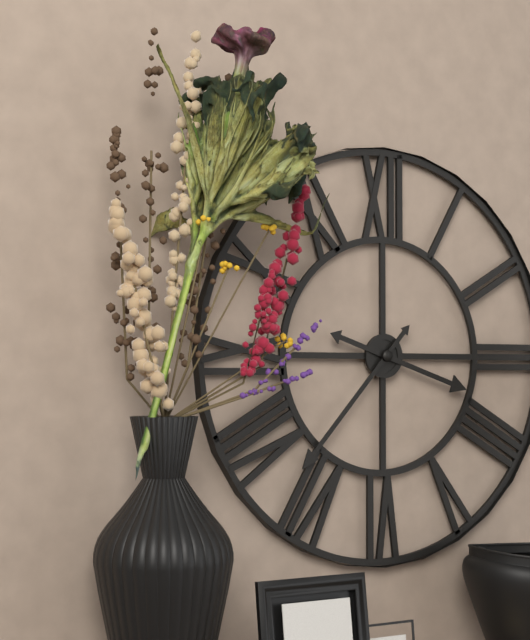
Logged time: 3,37
